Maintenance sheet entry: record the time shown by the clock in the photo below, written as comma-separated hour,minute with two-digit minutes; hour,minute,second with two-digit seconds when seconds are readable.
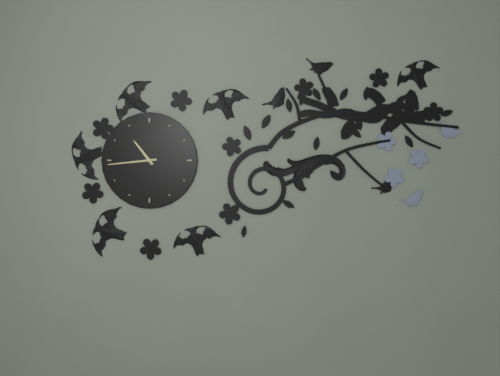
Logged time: 10,44
